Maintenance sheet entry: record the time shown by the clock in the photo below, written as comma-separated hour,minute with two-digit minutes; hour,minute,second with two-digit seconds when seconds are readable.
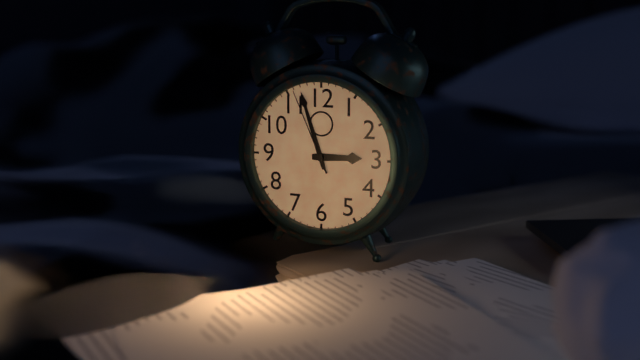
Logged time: 2,57,56
